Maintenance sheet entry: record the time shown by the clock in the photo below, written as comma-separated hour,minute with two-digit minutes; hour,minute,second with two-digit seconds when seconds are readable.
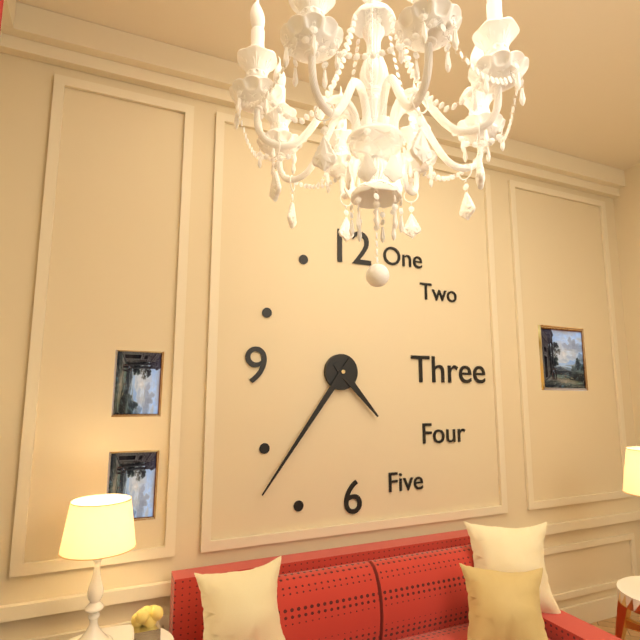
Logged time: 4,36
